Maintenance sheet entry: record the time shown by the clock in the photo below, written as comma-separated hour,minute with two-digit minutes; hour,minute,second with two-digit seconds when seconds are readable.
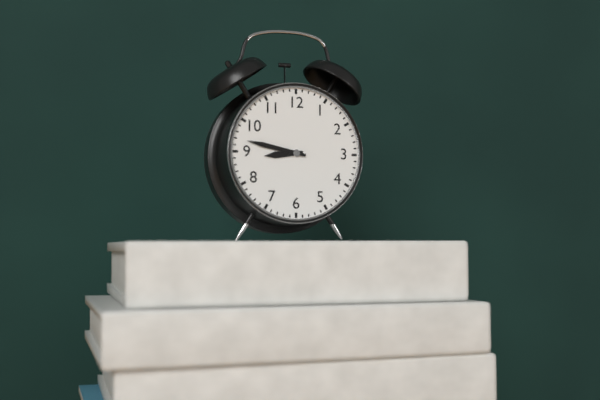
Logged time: 8,47
